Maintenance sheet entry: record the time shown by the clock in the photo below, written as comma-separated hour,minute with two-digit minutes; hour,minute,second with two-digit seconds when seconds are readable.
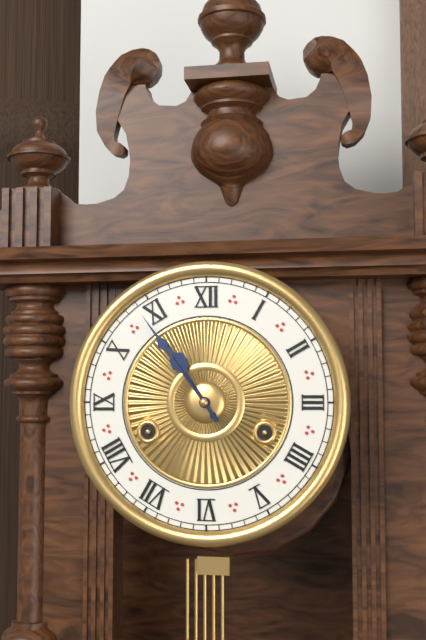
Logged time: 10,54
